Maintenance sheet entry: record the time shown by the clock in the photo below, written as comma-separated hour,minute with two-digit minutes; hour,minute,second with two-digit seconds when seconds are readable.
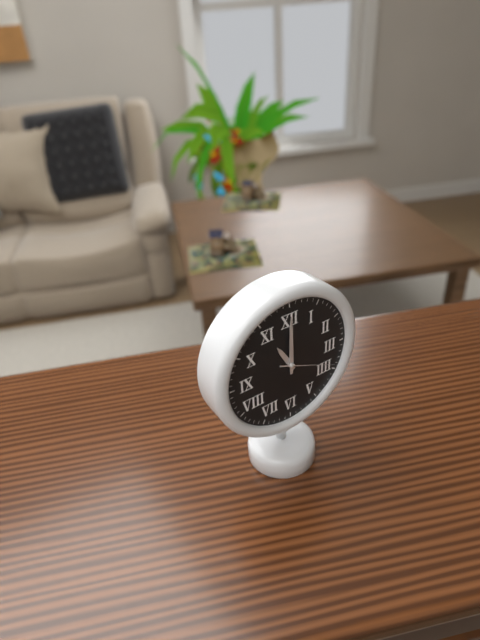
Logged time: 11,00,19
